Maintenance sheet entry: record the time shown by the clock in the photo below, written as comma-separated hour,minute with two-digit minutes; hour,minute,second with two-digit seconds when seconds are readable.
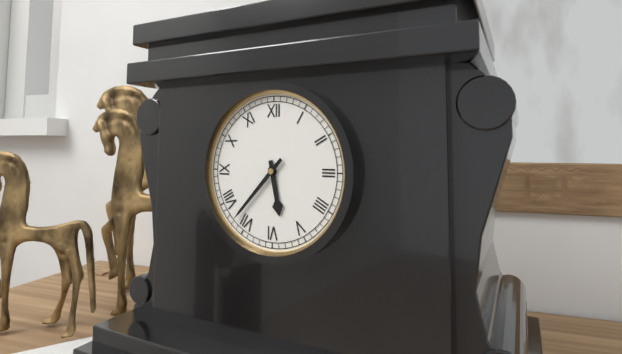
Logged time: 5,37
